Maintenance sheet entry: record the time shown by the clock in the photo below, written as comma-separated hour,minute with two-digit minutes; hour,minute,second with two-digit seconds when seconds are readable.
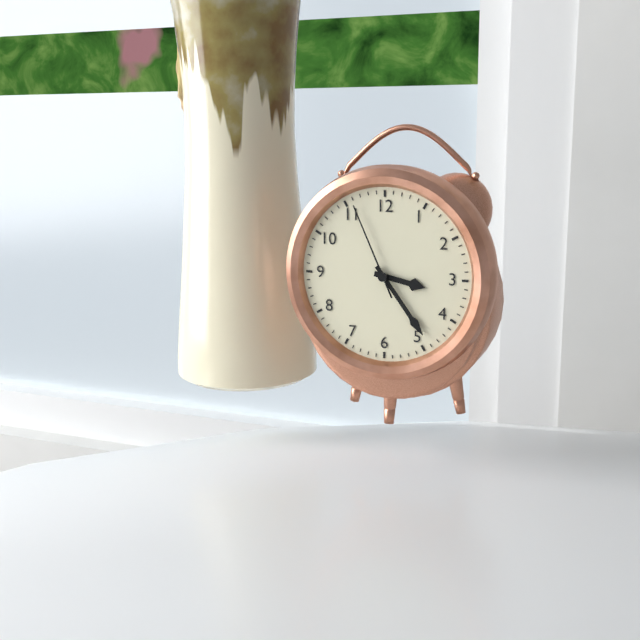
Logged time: 3,24,56
